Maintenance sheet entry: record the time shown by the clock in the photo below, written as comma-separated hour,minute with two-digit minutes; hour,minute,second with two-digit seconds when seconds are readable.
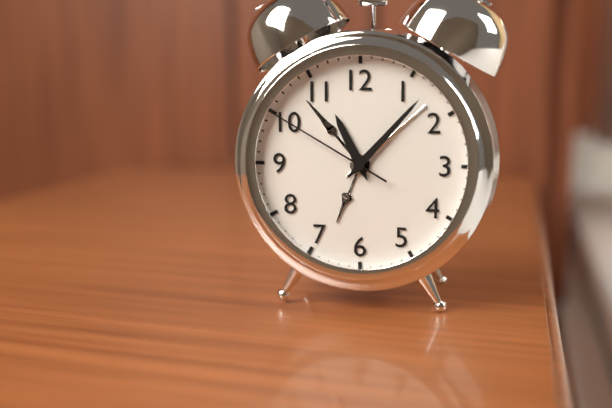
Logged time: 11,07,50
